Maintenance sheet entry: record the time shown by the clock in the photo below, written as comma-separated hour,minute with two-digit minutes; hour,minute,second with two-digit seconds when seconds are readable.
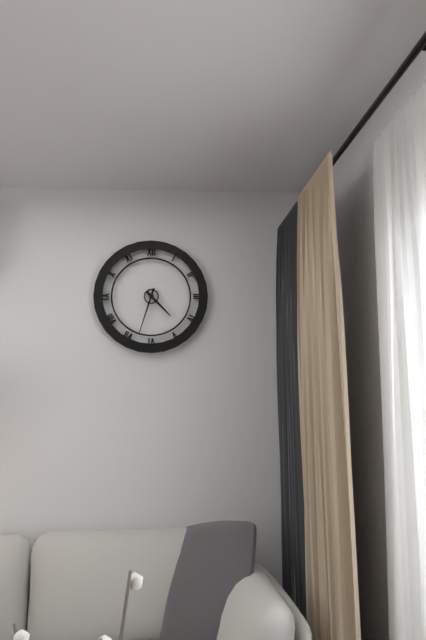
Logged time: 4,33
